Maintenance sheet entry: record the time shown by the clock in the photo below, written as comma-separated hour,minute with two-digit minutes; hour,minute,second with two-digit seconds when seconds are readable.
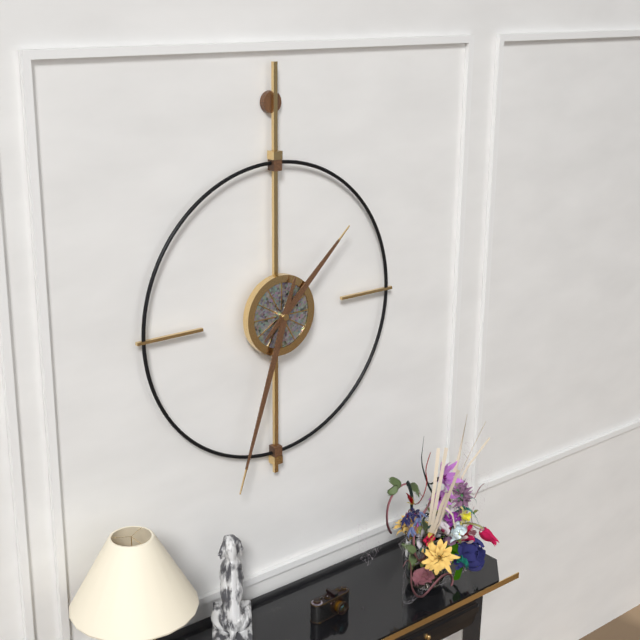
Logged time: 1,33
